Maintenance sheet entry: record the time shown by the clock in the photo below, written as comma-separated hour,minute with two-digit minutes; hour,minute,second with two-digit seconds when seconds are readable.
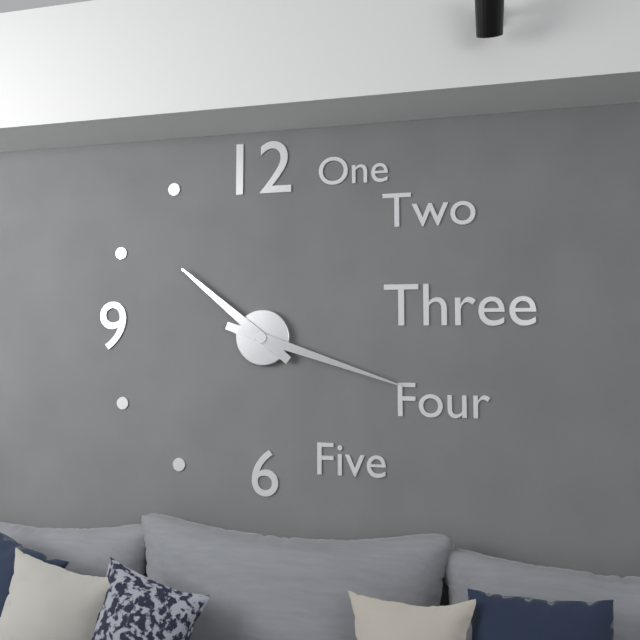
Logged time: 10,18
